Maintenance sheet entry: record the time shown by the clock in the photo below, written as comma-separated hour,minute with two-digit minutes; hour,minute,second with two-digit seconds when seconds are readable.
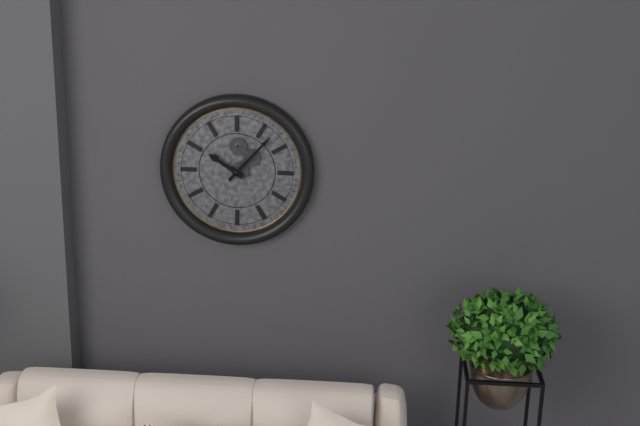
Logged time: 10,07
